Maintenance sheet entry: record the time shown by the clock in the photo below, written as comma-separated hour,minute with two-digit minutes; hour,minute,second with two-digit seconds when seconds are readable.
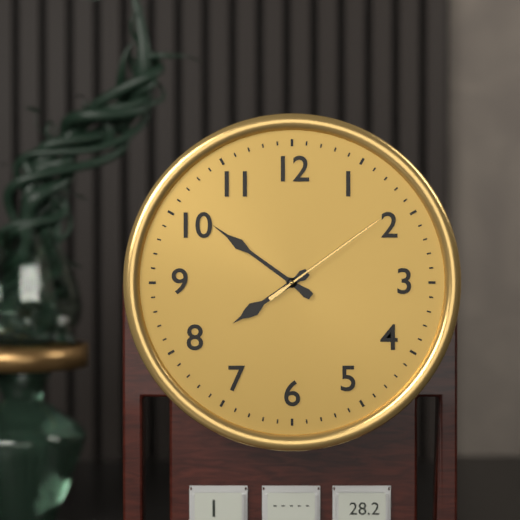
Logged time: 7,51,09
